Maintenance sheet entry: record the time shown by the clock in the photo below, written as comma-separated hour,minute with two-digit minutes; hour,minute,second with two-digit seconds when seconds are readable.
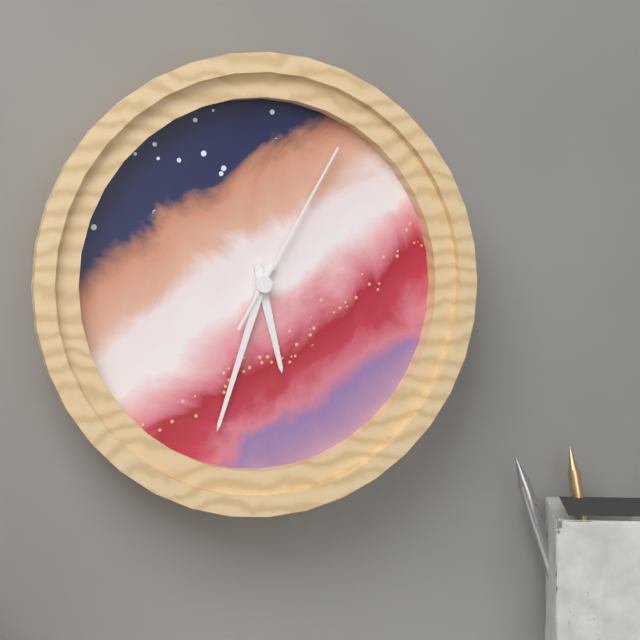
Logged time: 5,33,05
